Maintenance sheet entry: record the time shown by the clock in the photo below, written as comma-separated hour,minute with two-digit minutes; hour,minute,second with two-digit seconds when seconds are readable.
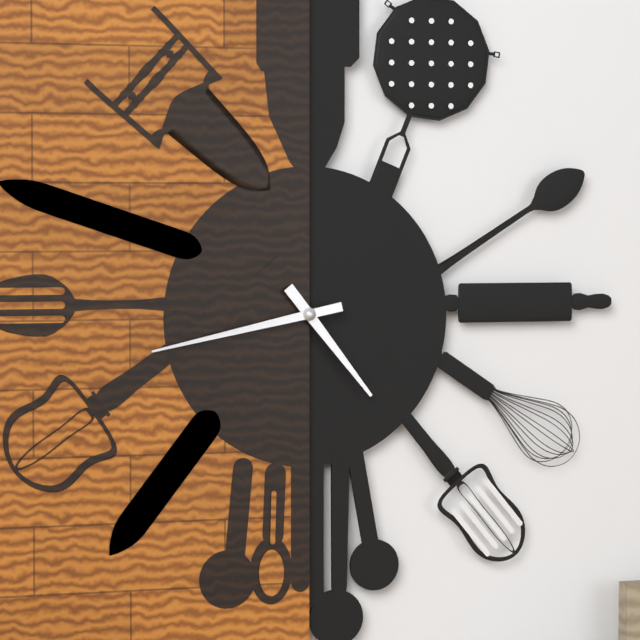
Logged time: 4,43
